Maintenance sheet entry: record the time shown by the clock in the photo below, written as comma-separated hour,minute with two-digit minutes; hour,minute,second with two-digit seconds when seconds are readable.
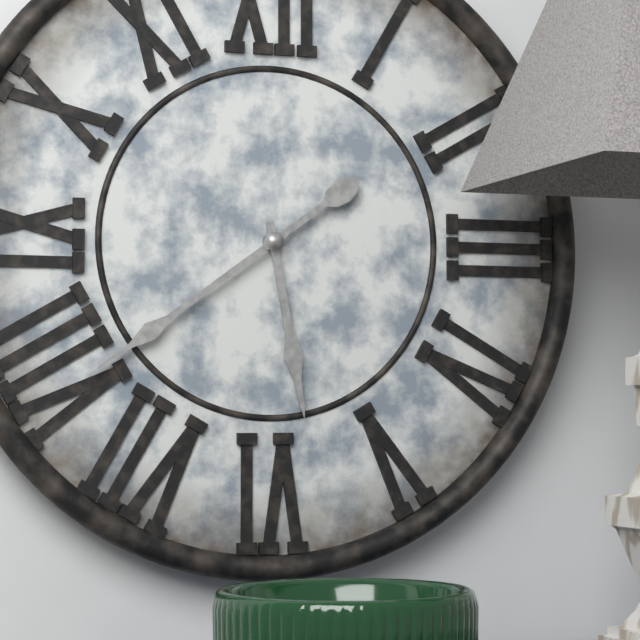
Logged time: 5,39
